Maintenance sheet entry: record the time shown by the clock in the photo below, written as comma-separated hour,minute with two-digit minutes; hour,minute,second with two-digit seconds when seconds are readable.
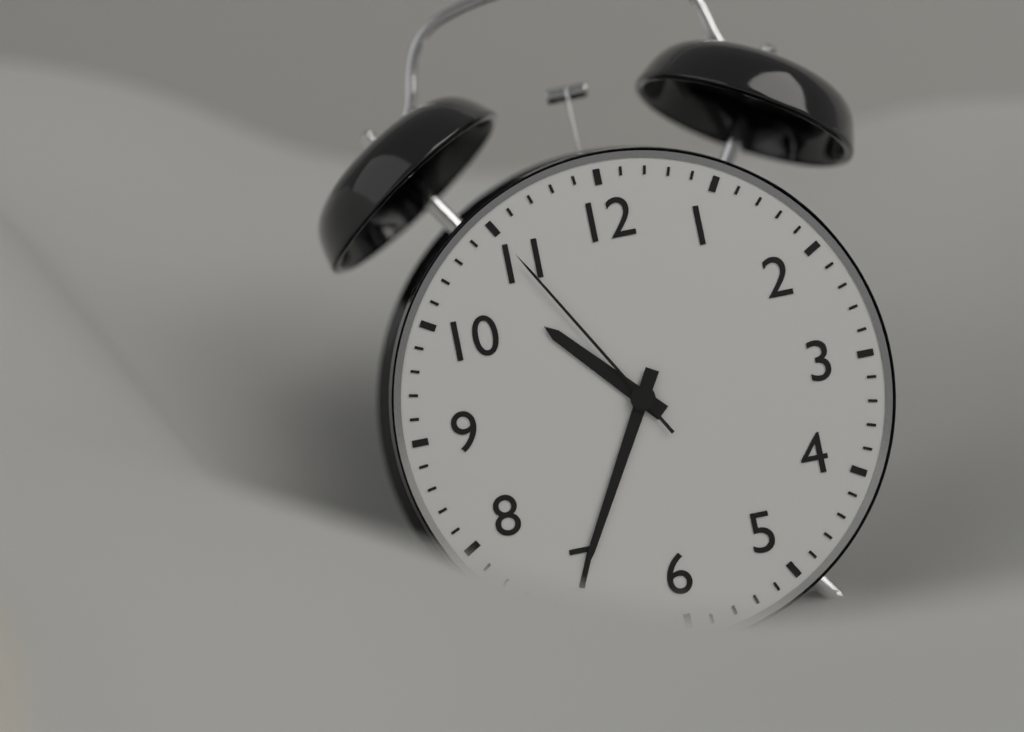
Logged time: 10,35,55
